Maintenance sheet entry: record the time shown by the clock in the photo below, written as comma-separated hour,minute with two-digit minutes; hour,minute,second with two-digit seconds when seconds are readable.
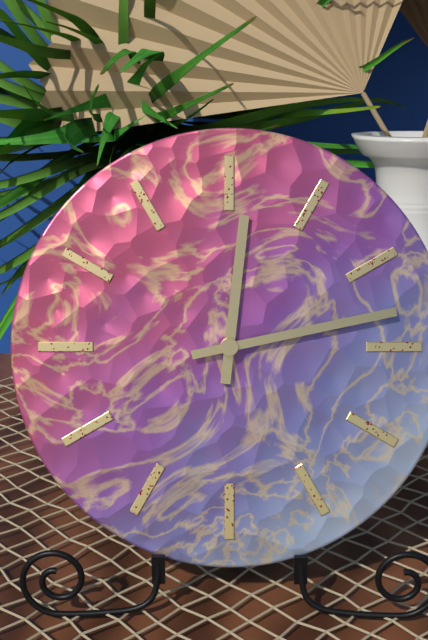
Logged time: 12,13
